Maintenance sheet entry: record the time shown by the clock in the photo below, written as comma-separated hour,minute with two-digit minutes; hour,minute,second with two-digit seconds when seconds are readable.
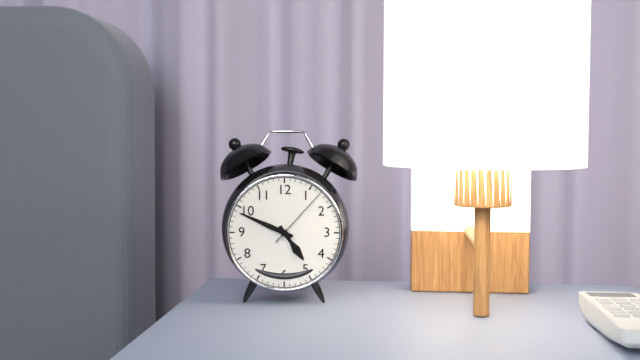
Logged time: 4,49,07
